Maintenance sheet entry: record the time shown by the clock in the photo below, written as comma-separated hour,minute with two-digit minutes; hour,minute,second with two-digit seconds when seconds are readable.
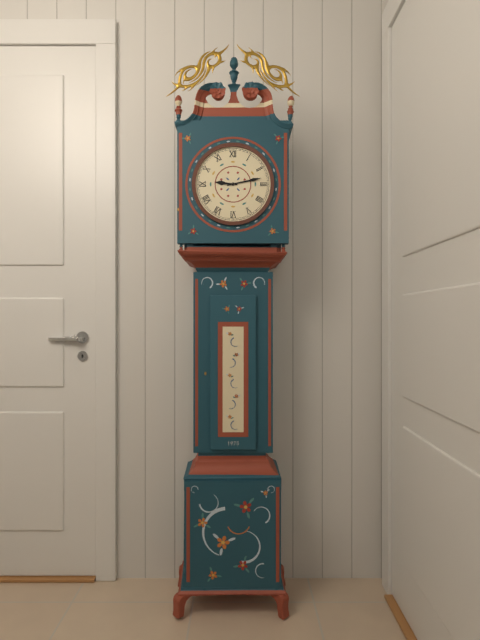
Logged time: 9,13
